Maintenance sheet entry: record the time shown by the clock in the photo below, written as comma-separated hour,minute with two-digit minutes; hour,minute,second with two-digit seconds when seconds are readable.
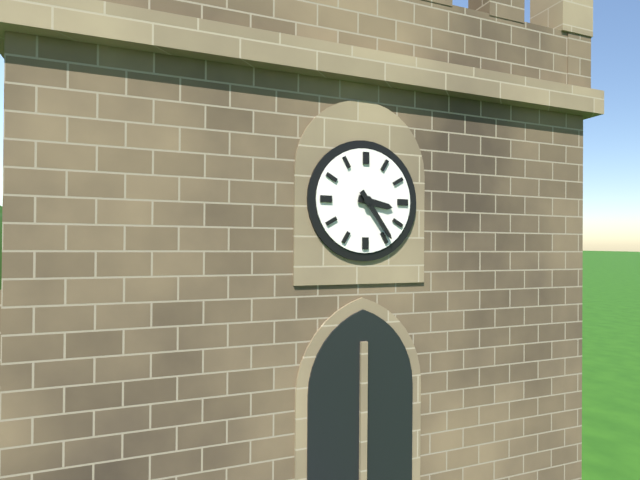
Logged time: 3,24
